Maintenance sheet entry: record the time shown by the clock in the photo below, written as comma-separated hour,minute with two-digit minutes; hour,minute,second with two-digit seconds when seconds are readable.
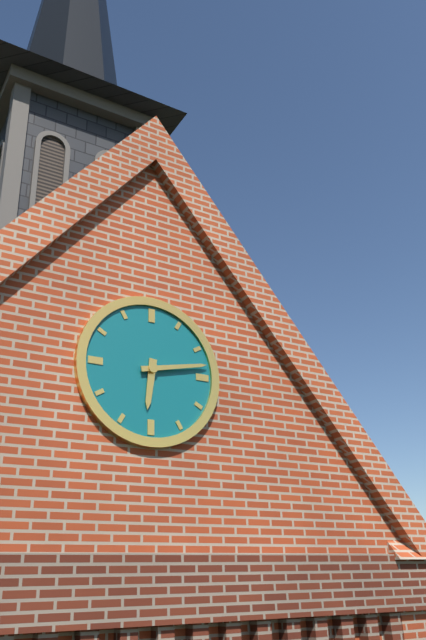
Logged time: 6,13
